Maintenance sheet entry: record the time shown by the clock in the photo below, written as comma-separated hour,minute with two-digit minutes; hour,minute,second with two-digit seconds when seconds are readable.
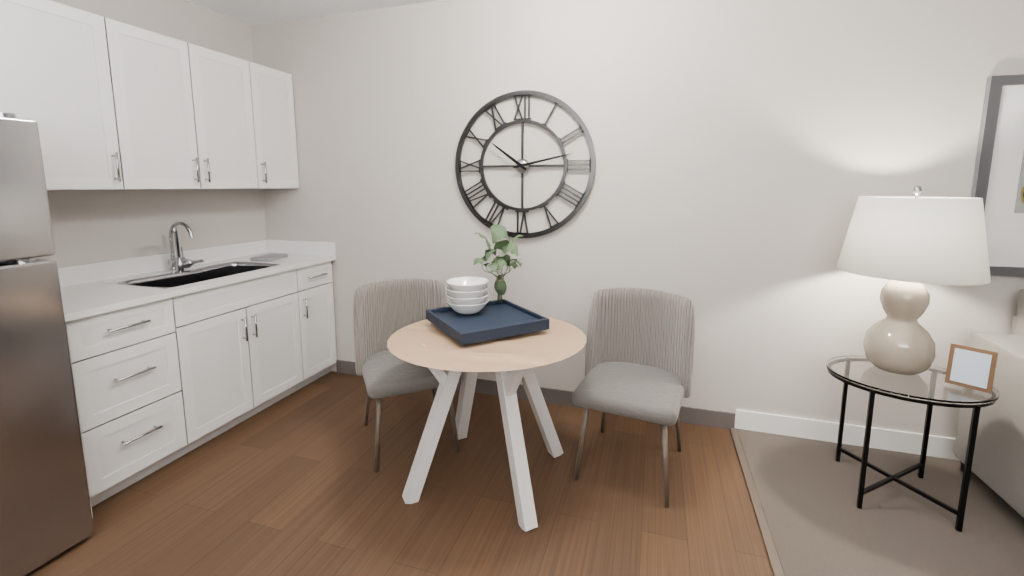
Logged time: 10,13
